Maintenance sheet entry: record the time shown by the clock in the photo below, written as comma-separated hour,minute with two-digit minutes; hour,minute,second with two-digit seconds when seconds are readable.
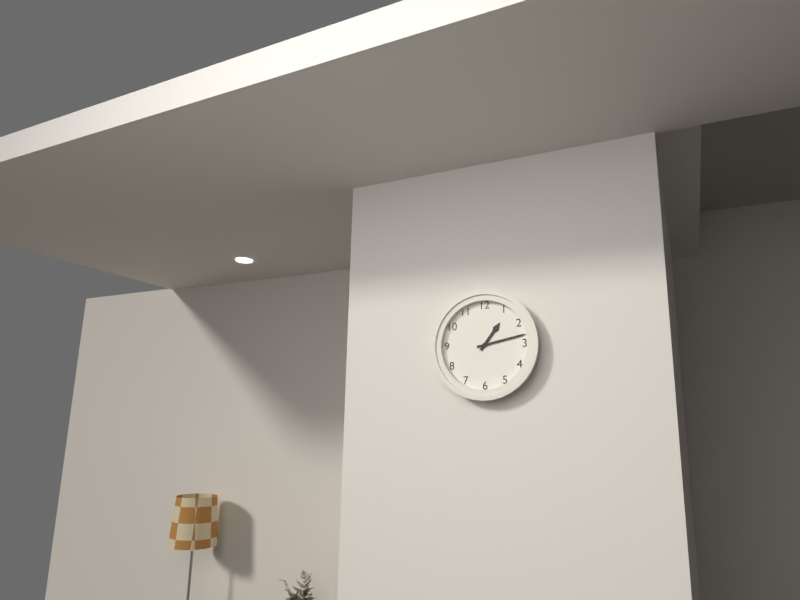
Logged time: 1,13
